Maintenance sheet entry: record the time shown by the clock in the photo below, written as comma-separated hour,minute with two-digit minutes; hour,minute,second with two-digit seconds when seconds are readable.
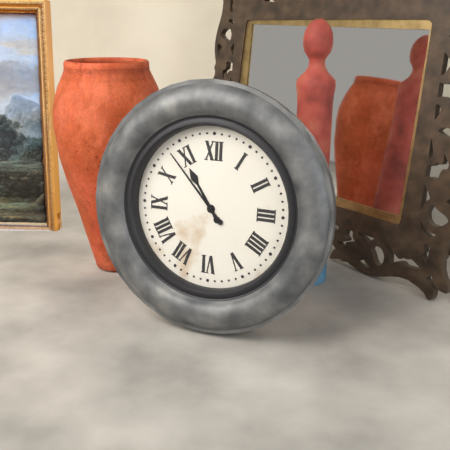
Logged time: 10,53
